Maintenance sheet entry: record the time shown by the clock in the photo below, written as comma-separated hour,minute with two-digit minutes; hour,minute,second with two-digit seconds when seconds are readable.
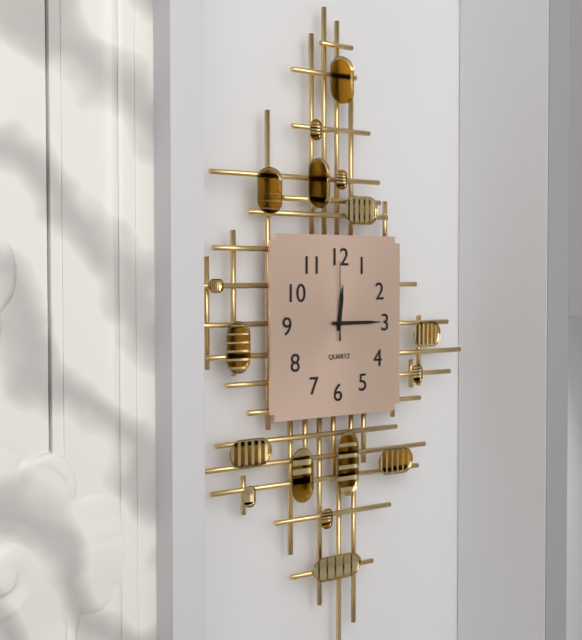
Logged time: 12,15,00
